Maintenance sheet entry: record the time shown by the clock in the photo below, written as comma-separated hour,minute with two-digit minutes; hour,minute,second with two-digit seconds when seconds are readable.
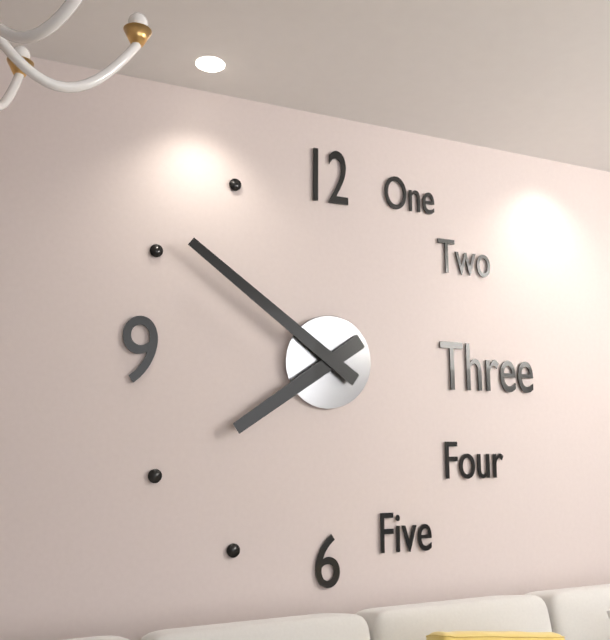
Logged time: 7,51
